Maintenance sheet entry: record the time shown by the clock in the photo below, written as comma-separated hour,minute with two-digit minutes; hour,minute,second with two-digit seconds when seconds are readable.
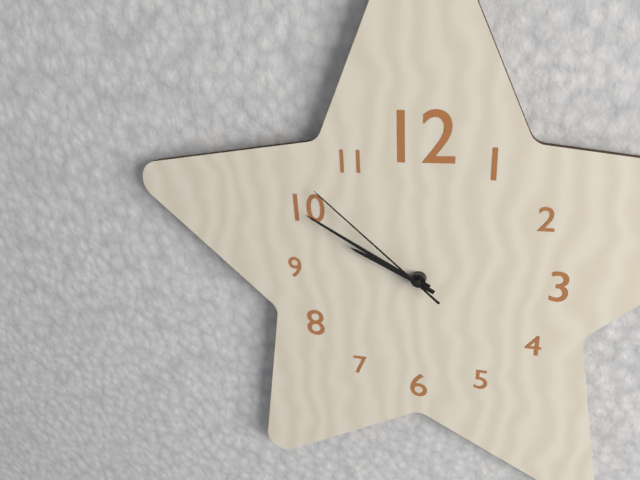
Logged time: 9,50,52
